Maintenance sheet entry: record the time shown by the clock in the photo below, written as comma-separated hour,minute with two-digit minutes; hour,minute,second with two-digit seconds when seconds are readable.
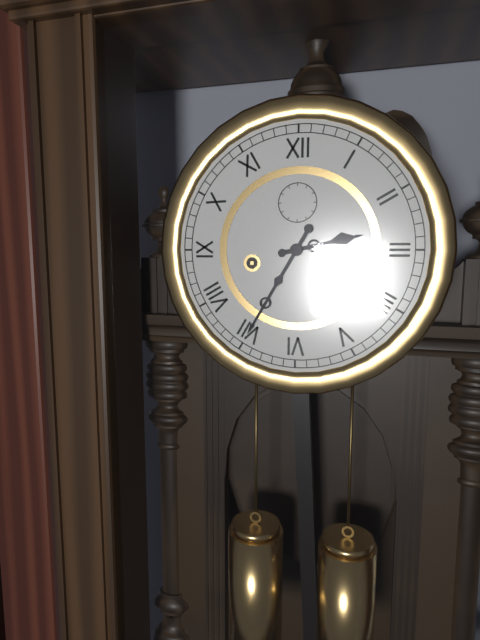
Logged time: 2,35
